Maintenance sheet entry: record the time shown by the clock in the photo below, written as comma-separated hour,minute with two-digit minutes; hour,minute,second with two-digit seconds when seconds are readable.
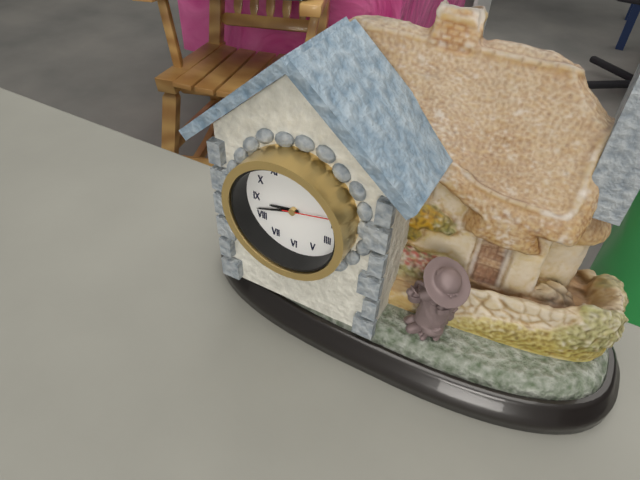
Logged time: 8,42,13
